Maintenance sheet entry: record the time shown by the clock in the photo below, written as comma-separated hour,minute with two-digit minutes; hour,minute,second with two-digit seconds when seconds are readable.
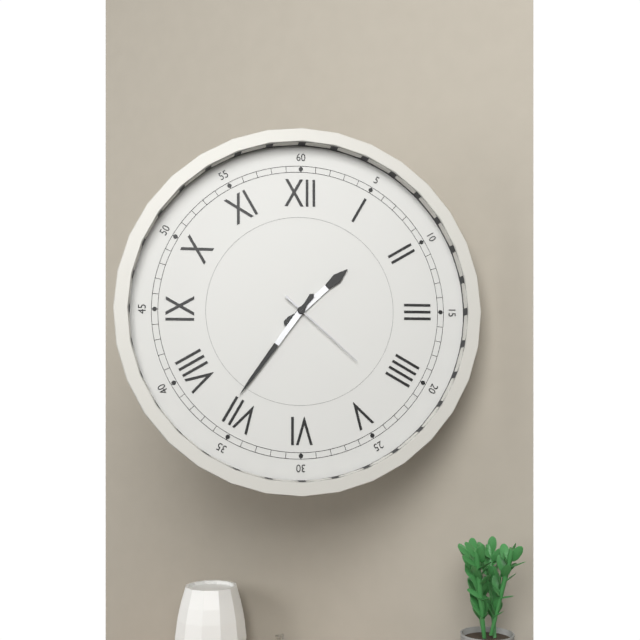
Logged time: 1,36,22
